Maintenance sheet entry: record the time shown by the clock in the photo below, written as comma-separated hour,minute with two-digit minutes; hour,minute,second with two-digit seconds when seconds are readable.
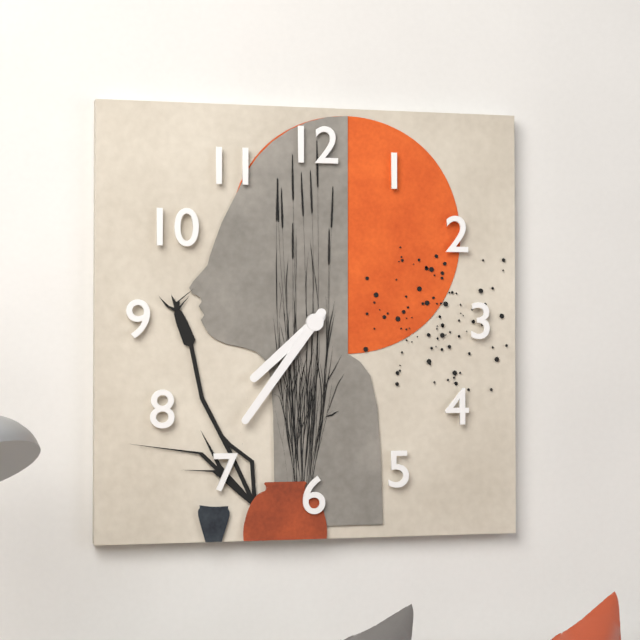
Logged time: 7,36
